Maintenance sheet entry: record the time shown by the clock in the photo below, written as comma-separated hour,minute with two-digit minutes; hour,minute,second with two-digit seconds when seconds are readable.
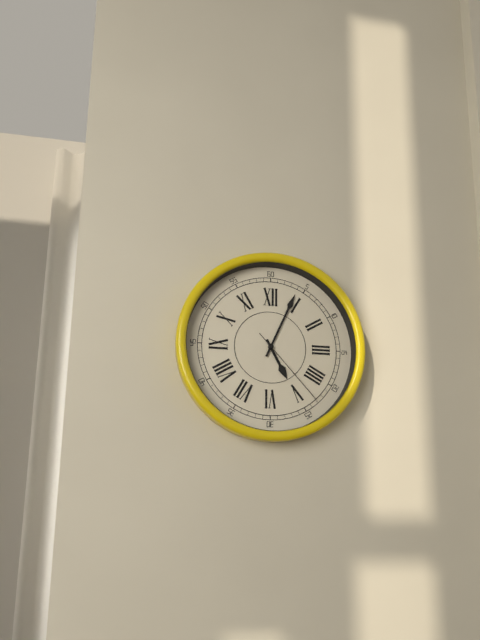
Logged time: 5,04,23
